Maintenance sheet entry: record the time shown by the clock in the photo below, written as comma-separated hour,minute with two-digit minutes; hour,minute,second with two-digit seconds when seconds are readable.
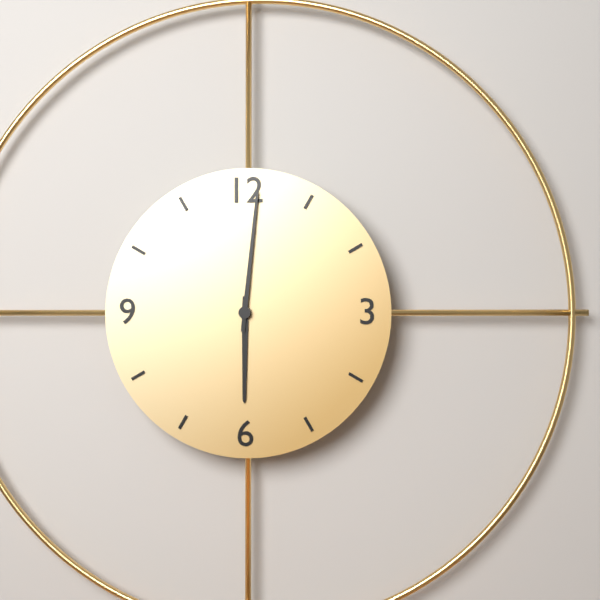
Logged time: 6,01
